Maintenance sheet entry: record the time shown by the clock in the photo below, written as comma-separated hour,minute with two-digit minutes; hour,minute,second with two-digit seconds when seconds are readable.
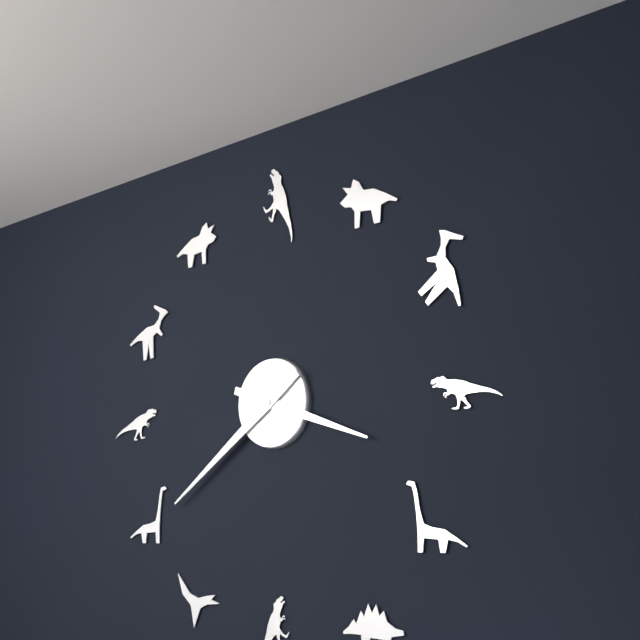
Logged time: 3,39
